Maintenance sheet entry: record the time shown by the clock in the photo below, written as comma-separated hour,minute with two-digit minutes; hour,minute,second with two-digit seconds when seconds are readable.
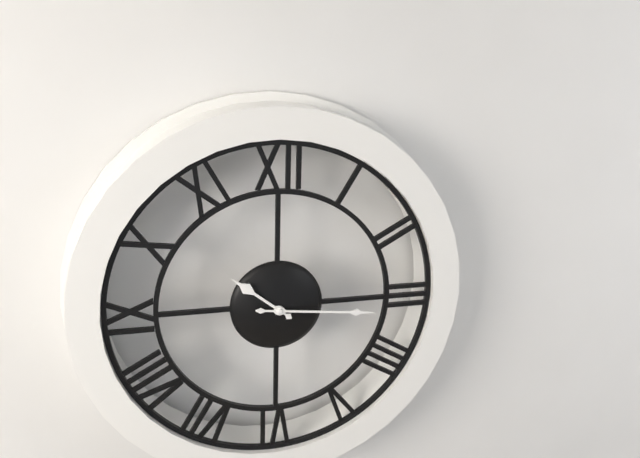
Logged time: 10,16
